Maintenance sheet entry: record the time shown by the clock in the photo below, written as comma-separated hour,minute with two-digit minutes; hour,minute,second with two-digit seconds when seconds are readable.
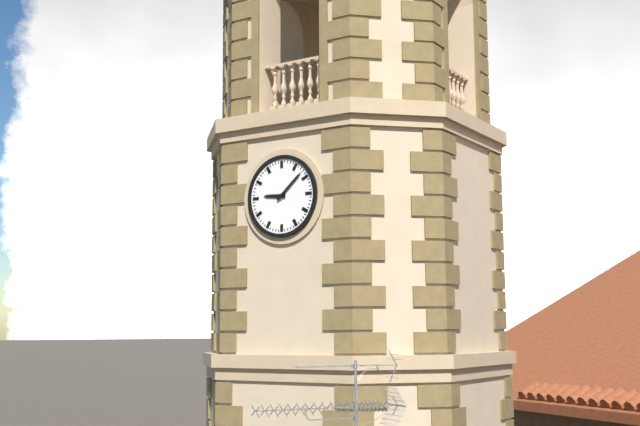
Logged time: 9,08
